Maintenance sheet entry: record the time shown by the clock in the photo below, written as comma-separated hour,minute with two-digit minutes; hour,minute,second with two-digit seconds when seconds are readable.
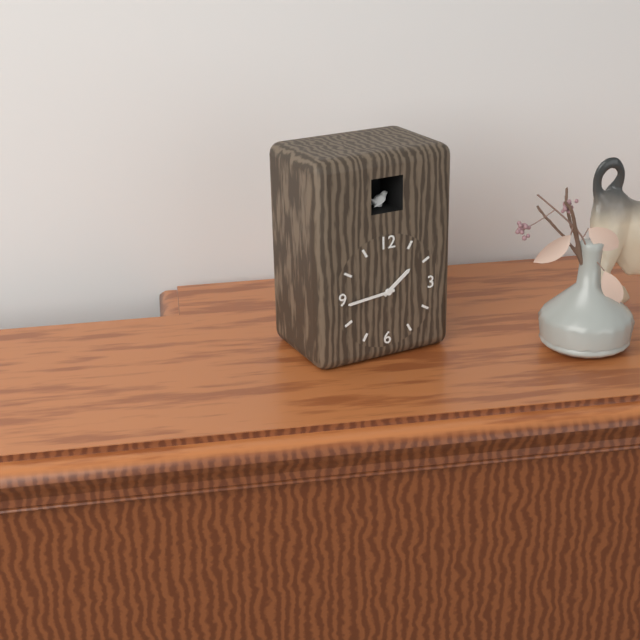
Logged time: 1,44
